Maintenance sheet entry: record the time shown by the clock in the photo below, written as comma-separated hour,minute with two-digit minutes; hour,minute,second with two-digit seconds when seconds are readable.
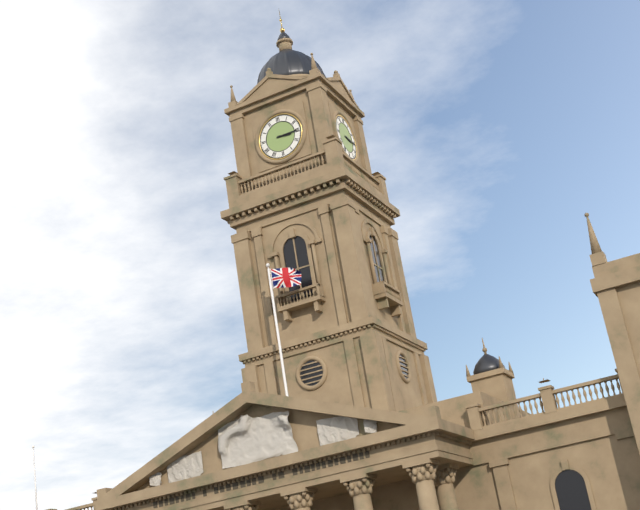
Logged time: 3,15
